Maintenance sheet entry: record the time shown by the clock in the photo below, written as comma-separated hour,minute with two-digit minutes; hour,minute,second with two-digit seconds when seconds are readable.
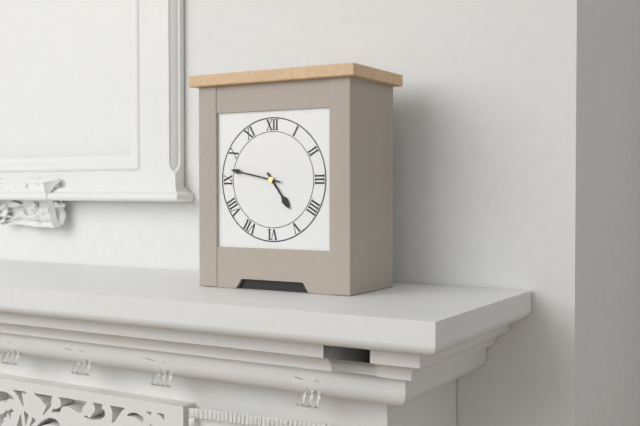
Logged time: 4,47
